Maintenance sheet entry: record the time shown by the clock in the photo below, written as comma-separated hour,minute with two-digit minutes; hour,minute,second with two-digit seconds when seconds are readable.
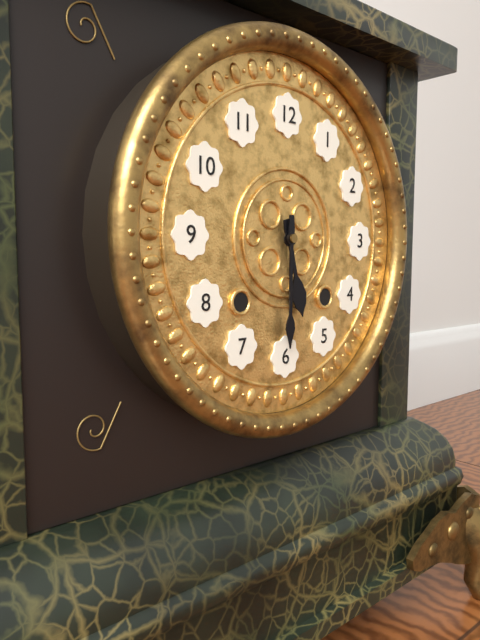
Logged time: 5,30
